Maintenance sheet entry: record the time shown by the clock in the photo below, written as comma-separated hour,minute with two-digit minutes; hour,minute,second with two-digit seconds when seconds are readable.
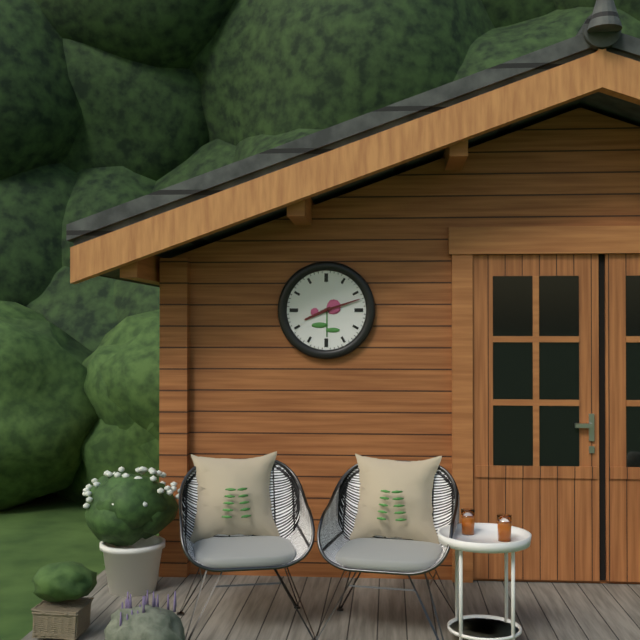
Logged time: 8,12
